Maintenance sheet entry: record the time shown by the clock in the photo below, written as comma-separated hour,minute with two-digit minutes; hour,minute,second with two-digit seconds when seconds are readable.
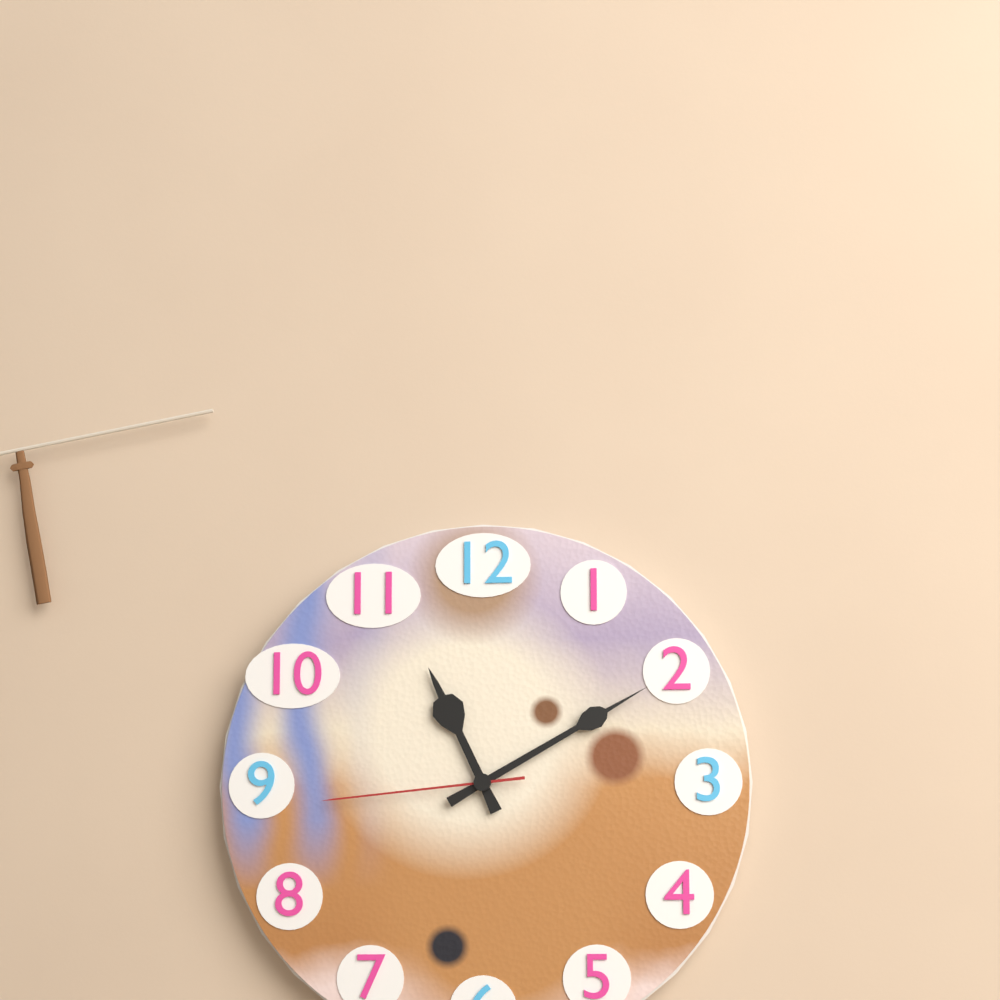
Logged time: 11,10,44
